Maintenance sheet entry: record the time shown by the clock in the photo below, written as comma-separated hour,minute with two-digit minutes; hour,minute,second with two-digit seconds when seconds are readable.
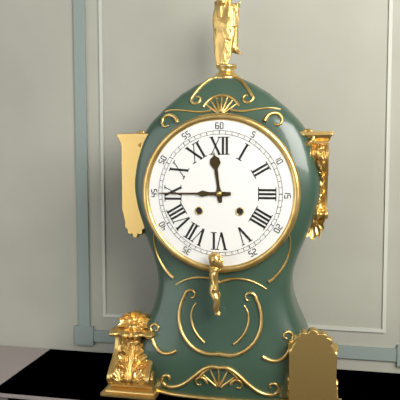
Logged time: 11,45
